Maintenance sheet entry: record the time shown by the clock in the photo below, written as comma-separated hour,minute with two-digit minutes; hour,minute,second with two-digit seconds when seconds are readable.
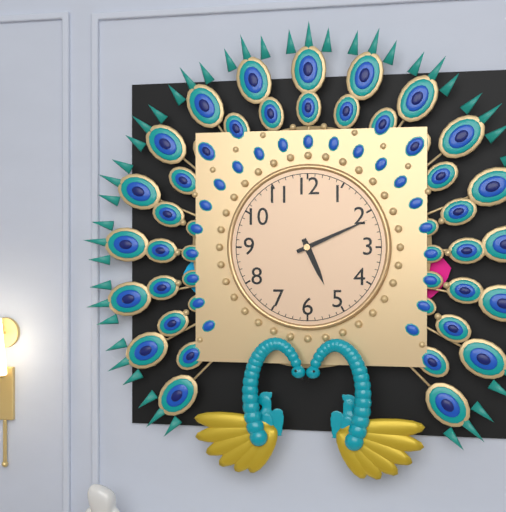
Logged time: 5,11
